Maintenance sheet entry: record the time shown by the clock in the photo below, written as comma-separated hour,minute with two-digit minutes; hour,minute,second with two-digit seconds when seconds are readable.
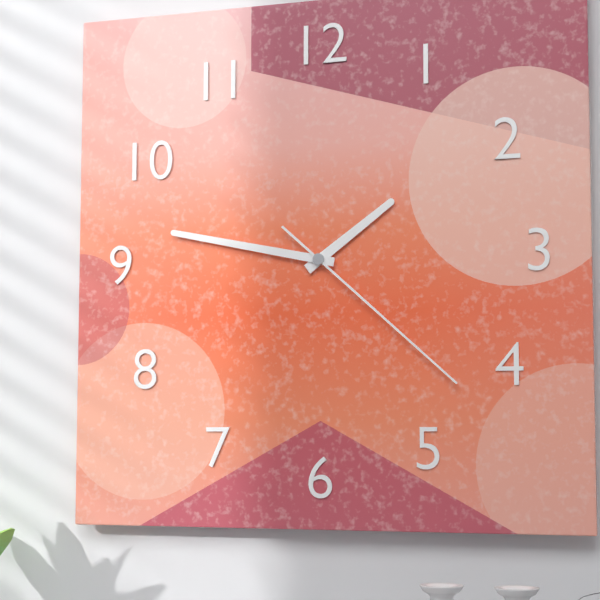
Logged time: 1,47,22
